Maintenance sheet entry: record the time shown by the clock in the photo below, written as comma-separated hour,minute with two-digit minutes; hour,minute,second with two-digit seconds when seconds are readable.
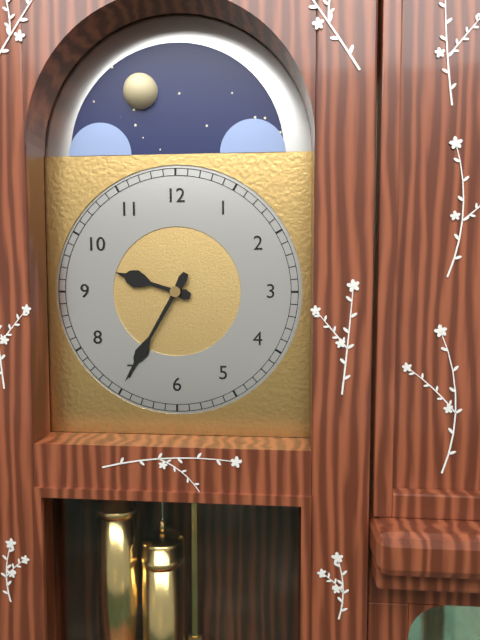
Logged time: 9,35
